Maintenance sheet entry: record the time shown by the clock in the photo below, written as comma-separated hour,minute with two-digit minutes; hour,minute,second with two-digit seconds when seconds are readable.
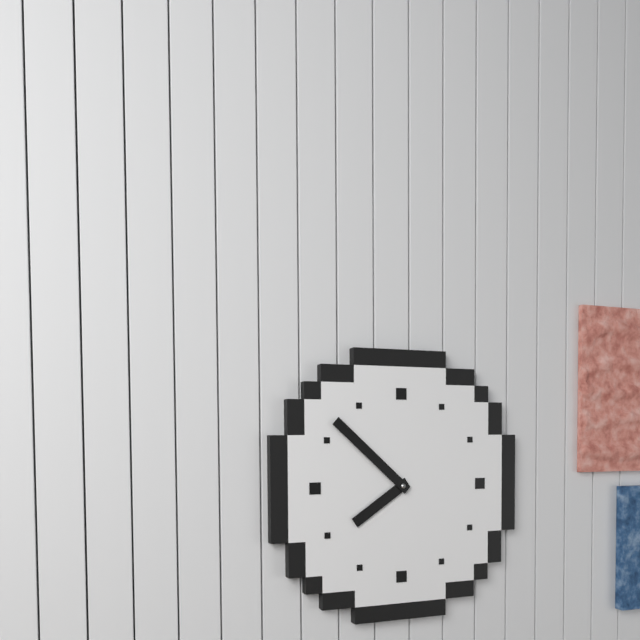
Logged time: 7,52
